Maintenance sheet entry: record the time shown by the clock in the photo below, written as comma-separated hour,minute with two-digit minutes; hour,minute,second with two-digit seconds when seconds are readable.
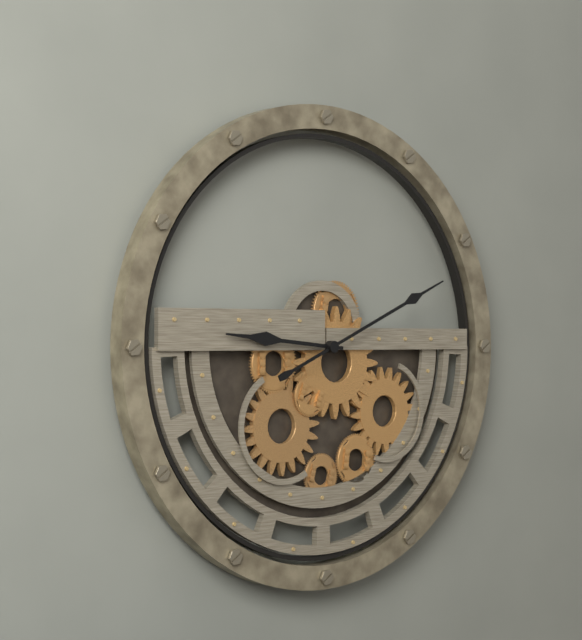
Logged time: 9,11
